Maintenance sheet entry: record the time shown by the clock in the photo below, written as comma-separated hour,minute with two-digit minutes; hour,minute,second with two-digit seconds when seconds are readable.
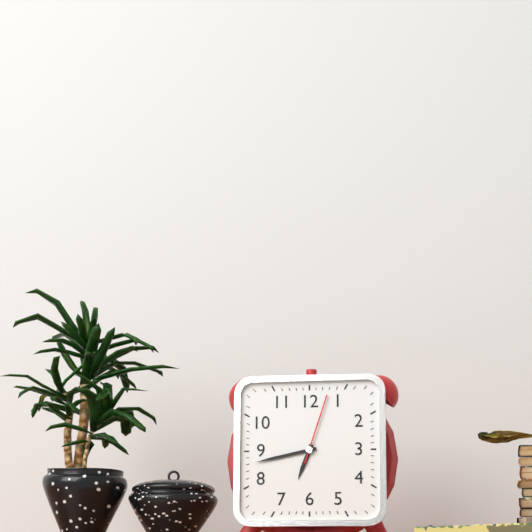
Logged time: 6,43,03
